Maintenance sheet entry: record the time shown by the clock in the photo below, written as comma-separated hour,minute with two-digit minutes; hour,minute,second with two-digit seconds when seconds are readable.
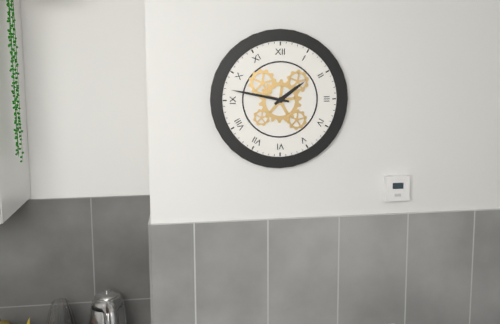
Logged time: 1,47
